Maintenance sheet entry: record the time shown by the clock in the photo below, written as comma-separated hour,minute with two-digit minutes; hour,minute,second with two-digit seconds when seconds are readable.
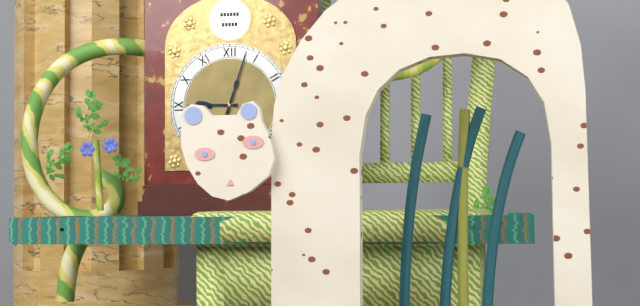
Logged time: 9,03
